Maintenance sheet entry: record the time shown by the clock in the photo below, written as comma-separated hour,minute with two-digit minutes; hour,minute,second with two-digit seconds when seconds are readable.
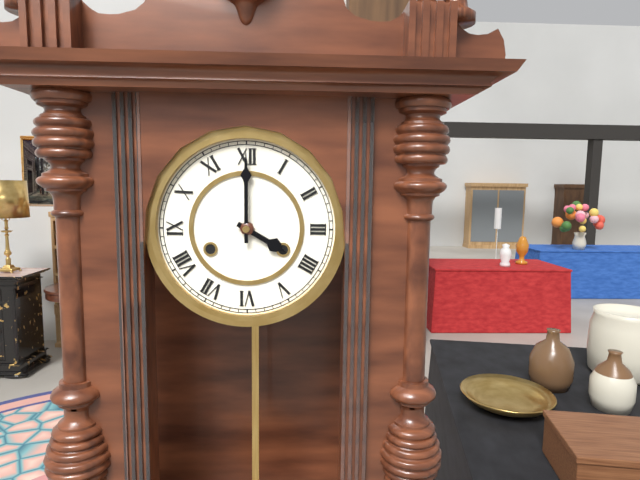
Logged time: 4,00
